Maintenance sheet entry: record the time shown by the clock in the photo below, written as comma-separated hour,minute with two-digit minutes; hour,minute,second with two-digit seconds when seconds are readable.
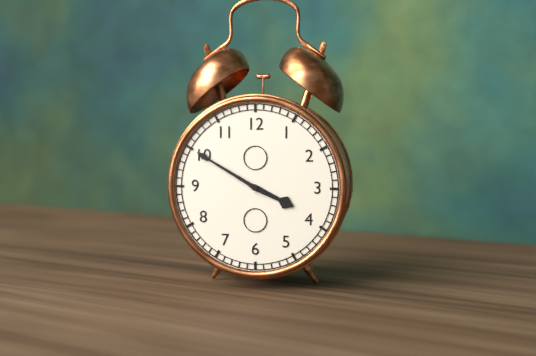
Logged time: 3,50
